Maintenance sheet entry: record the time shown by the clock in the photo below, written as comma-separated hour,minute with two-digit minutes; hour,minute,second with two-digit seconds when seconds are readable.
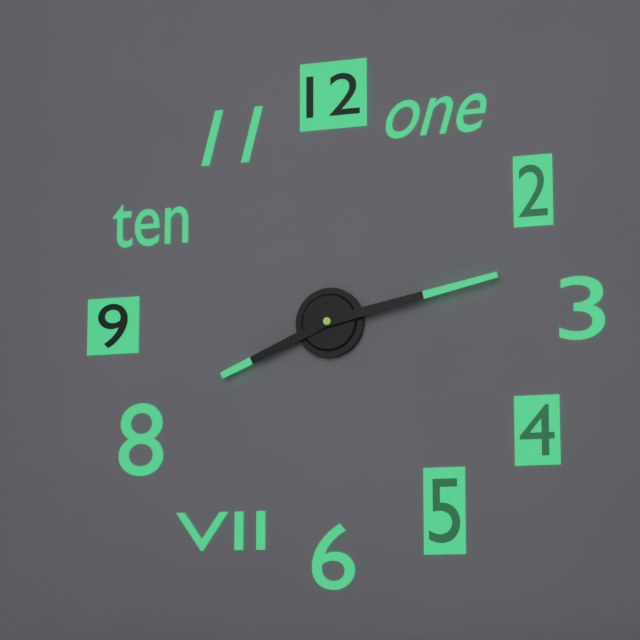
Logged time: 8,13
